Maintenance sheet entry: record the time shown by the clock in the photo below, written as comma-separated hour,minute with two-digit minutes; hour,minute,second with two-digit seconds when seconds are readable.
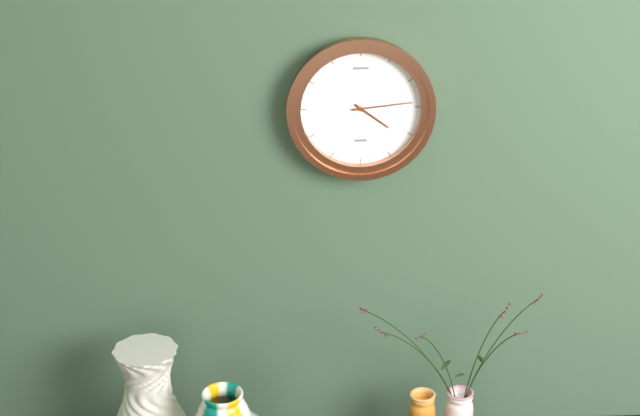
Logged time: 4,14
